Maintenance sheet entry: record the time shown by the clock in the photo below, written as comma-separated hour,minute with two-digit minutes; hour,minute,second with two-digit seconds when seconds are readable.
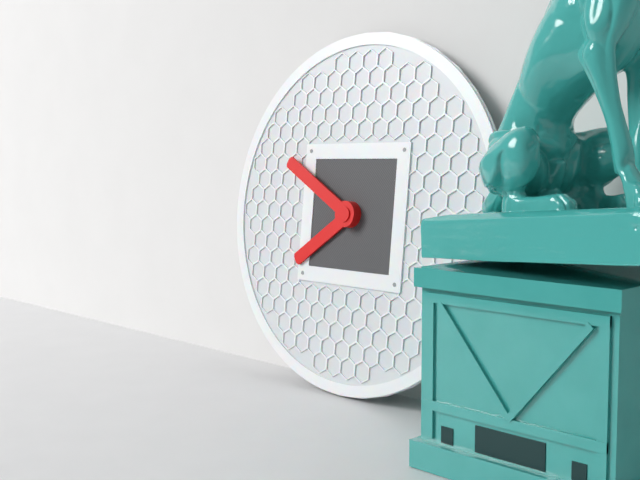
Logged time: 7,50
